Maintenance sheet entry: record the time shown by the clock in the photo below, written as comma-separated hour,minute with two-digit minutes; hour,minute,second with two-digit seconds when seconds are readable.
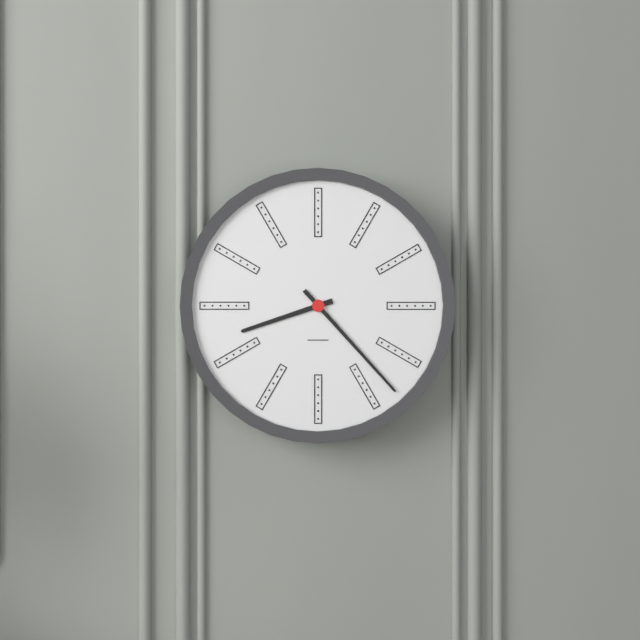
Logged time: 8,23
